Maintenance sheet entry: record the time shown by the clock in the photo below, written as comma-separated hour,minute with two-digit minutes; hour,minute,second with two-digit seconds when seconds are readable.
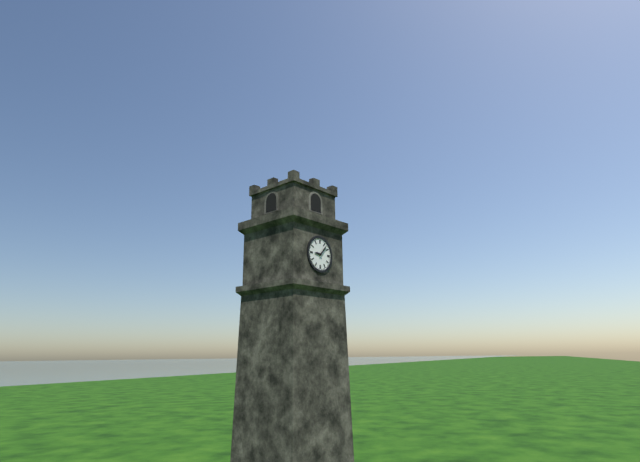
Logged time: 9,07
